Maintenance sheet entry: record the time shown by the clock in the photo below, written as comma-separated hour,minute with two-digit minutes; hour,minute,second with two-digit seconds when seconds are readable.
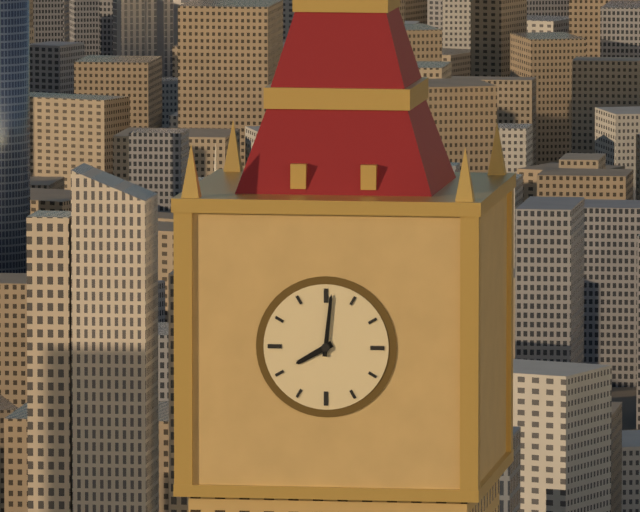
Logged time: 8,01
